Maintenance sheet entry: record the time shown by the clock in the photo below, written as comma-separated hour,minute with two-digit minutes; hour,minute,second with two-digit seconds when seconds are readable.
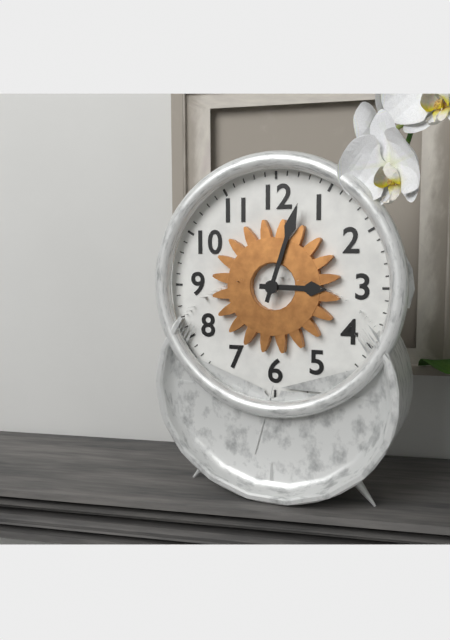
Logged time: 3,03
